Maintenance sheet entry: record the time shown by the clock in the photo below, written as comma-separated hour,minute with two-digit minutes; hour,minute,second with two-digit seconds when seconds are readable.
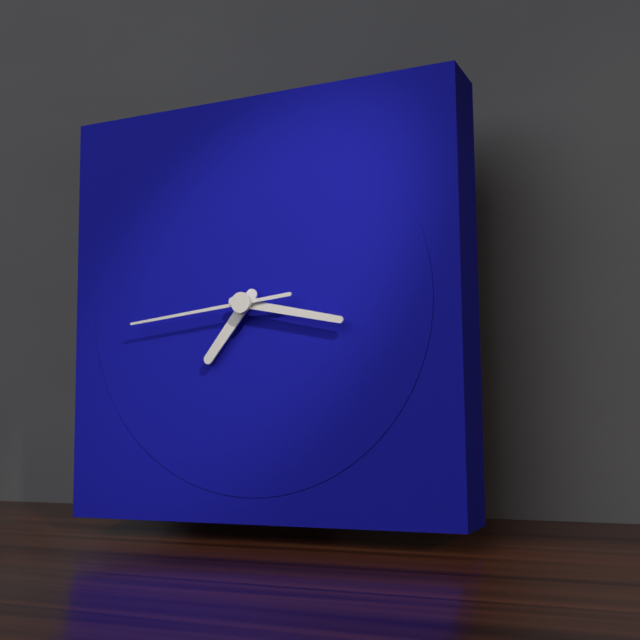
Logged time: 7,17,44
